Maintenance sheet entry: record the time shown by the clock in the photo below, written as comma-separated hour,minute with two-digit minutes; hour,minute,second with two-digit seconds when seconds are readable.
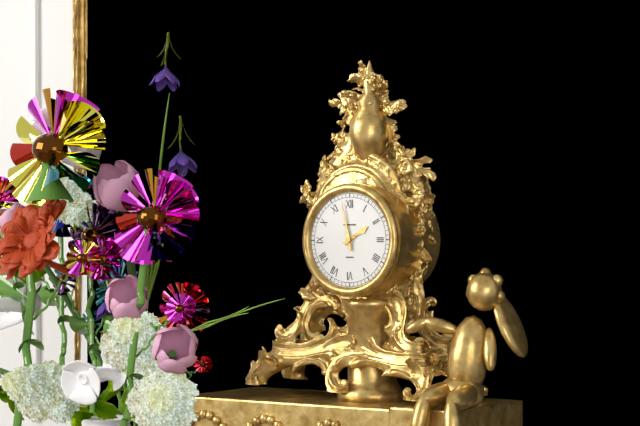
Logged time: 1,58
